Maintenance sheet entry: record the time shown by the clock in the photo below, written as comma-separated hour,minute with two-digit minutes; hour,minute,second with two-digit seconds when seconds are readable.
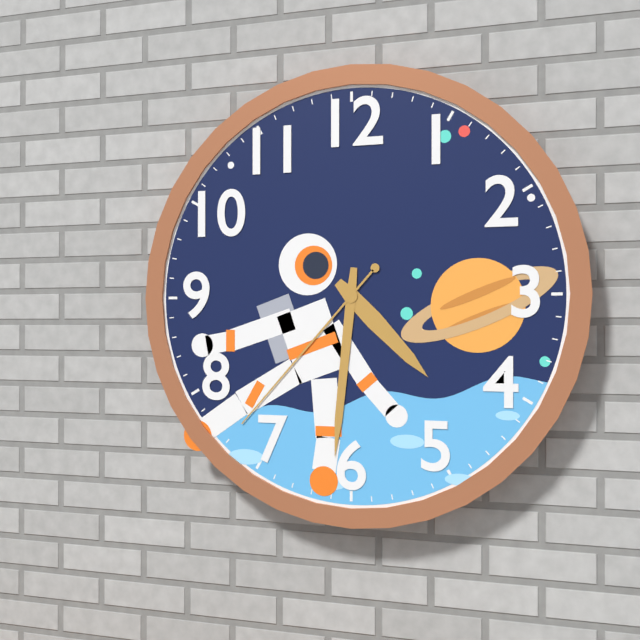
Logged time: 4,31,37
